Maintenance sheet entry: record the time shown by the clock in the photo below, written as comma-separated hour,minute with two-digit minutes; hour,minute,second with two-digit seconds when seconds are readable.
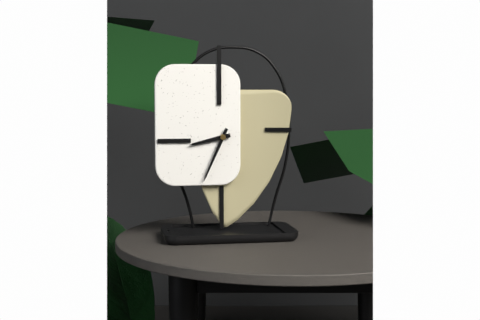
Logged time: 8,34
